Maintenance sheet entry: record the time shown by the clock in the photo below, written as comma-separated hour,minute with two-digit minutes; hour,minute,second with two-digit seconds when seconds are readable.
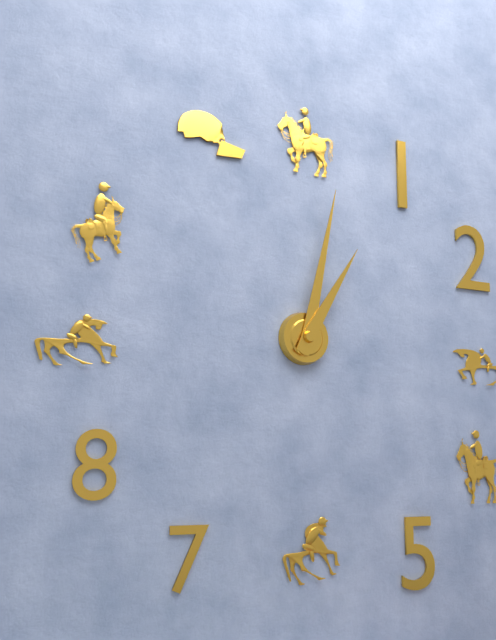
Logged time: 1,02
